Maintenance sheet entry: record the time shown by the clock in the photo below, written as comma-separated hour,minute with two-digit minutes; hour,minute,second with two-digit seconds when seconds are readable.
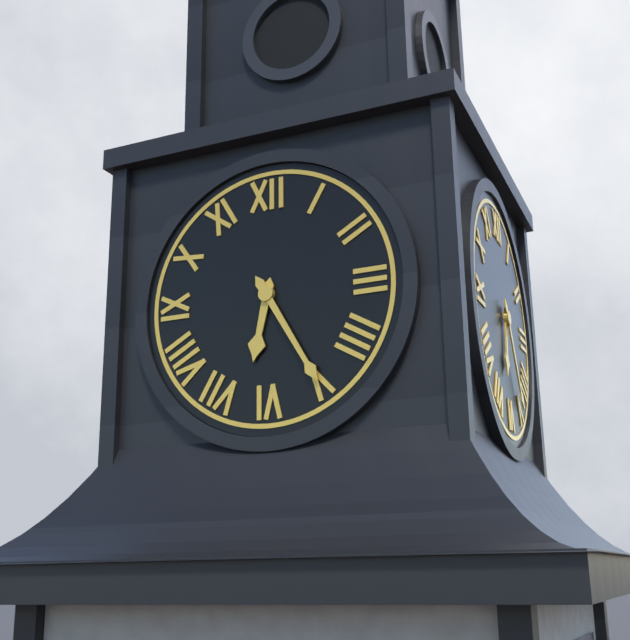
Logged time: 6,25
